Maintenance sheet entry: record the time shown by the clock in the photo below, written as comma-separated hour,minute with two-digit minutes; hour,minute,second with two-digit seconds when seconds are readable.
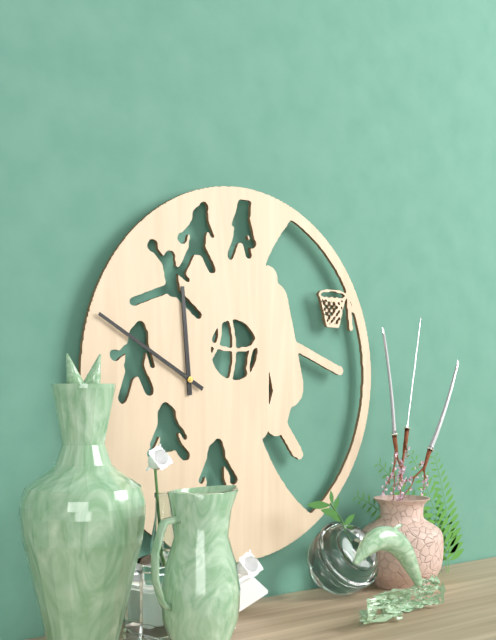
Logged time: 11,50
